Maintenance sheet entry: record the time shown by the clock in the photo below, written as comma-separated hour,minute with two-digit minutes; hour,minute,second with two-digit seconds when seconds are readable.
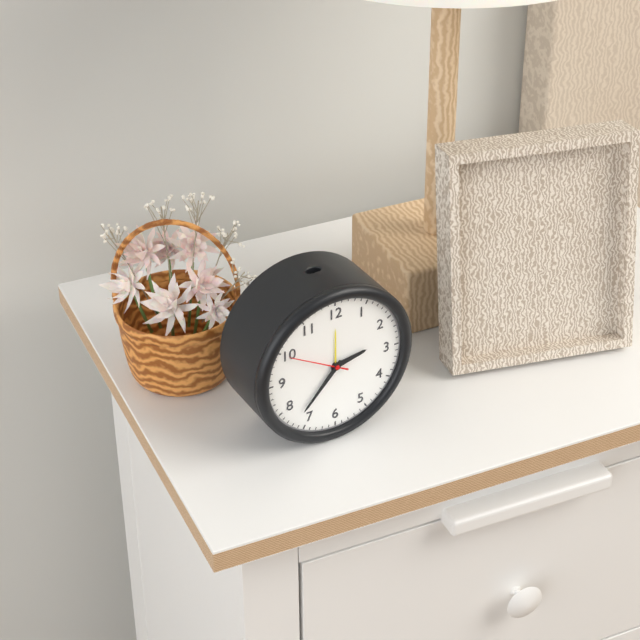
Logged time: 2,37,50
